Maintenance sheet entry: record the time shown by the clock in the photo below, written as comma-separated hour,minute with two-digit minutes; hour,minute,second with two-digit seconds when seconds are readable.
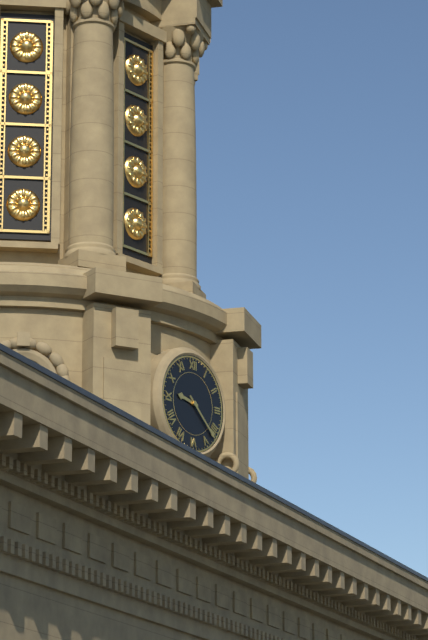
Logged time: 9,22
